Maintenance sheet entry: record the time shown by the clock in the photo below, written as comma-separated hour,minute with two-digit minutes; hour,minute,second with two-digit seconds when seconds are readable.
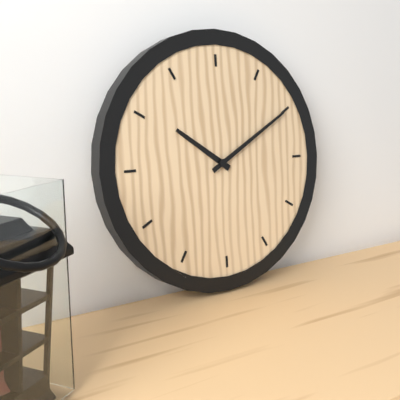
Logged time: 10,10
